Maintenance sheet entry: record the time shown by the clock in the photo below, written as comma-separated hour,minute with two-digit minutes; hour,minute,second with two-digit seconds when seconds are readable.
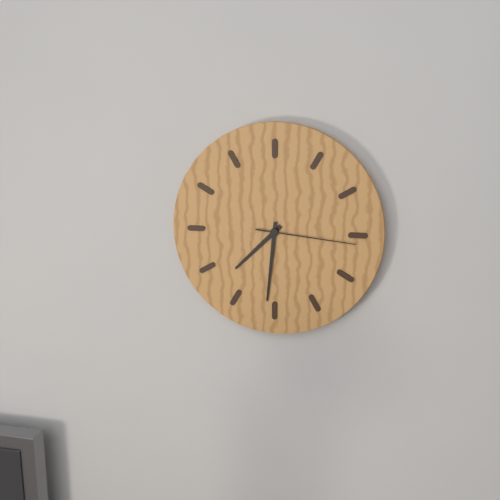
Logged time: 7,31,16
